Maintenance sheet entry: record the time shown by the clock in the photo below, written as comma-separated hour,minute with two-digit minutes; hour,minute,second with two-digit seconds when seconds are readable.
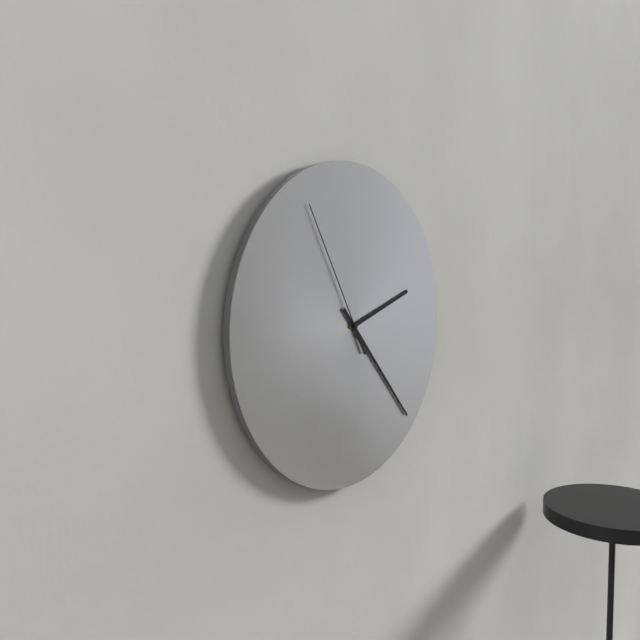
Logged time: 2,23,55
